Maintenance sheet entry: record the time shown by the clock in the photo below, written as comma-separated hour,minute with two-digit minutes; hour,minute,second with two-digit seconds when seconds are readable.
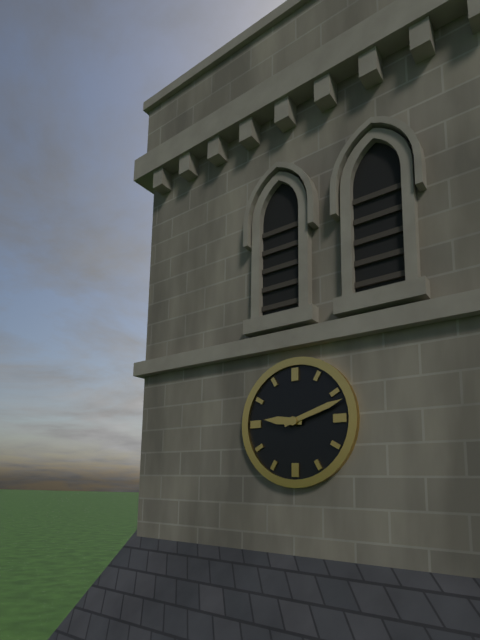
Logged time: 9,12
